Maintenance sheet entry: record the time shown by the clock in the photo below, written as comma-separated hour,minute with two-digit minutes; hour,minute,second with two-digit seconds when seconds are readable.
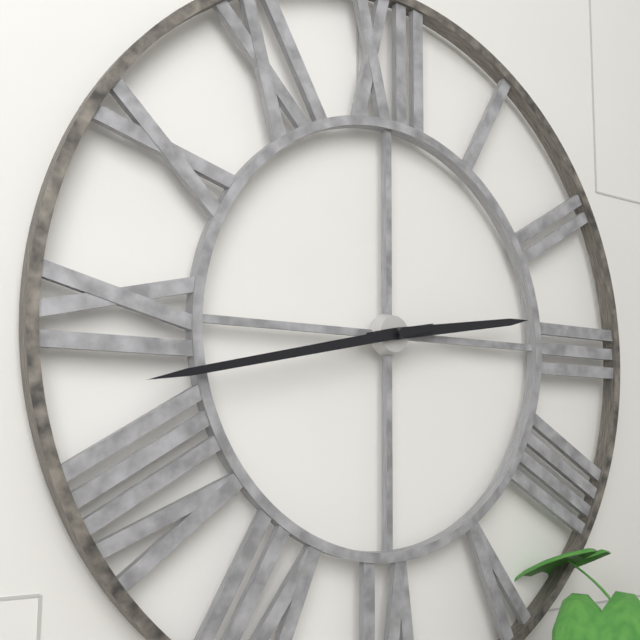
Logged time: 2,43
